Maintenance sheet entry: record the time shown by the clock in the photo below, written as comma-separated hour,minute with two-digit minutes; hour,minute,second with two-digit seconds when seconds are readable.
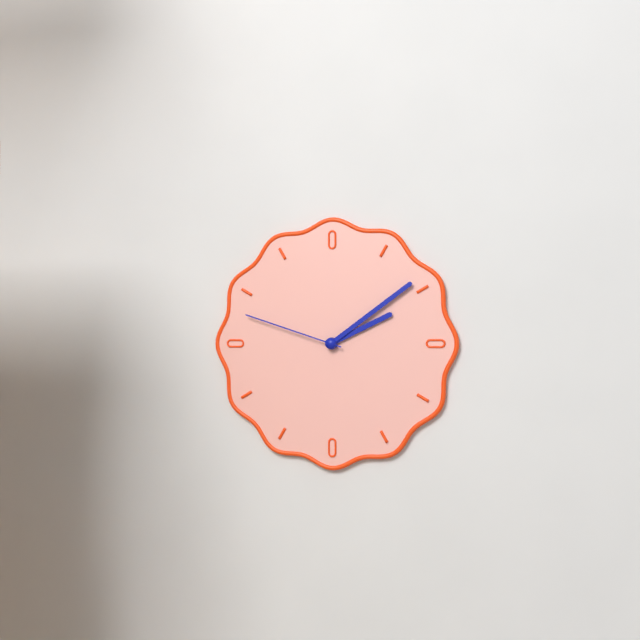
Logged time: 2,09,48
